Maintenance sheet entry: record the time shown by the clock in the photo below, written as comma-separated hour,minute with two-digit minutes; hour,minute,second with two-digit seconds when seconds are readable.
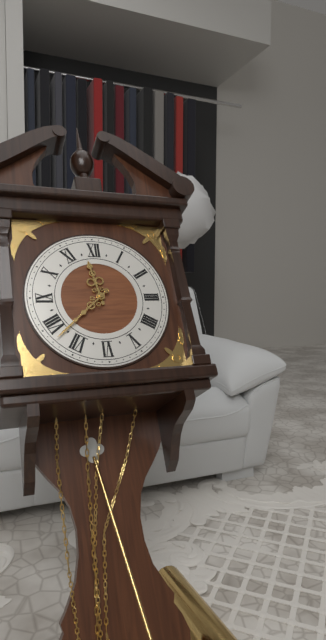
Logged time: 11,38
